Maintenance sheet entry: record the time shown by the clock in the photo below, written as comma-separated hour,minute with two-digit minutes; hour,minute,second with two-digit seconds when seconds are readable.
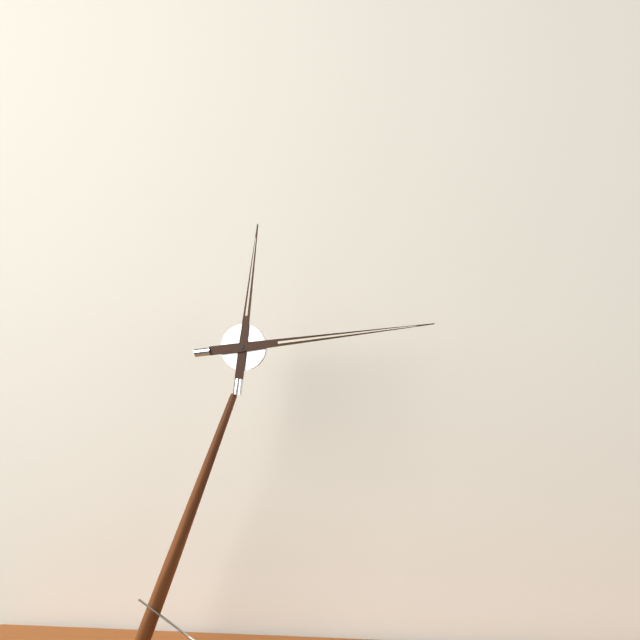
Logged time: 12,14
